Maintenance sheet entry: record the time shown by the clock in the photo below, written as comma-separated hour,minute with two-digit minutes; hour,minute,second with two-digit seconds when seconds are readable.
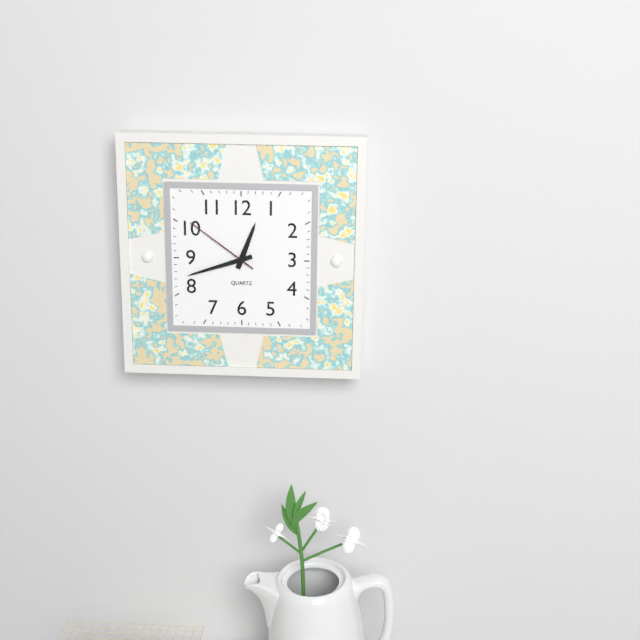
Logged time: 12,42,51
